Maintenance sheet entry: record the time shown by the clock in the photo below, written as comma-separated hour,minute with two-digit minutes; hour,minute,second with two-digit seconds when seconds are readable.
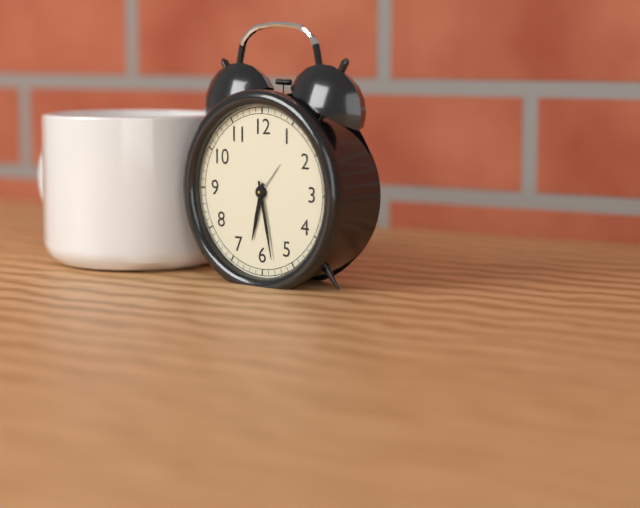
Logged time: 6,28
